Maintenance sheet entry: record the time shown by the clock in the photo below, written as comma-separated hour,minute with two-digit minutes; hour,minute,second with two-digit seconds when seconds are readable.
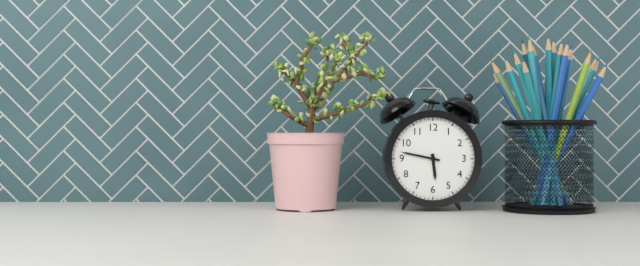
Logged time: 5,47
